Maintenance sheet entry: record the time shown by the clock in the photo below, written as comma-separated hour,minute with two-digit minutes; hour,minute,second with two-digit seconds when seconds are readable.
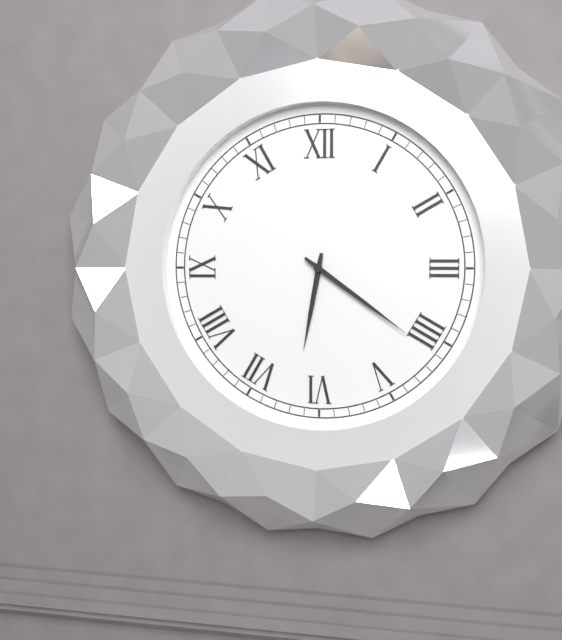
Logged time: 6,21
